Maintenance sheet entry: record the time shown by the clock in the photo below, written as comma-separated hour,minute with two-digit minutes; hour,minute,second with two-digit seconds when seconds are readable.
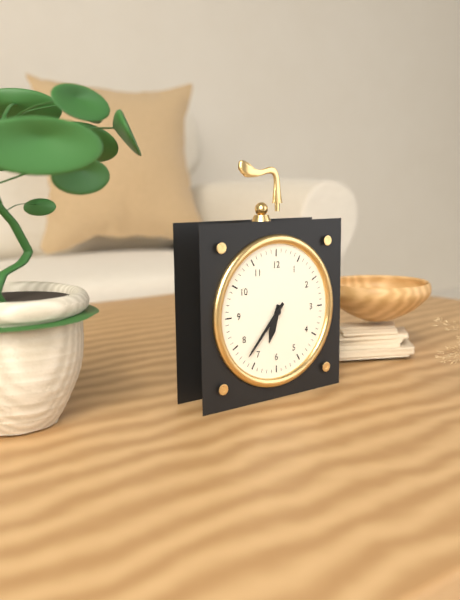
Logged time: 6,37
